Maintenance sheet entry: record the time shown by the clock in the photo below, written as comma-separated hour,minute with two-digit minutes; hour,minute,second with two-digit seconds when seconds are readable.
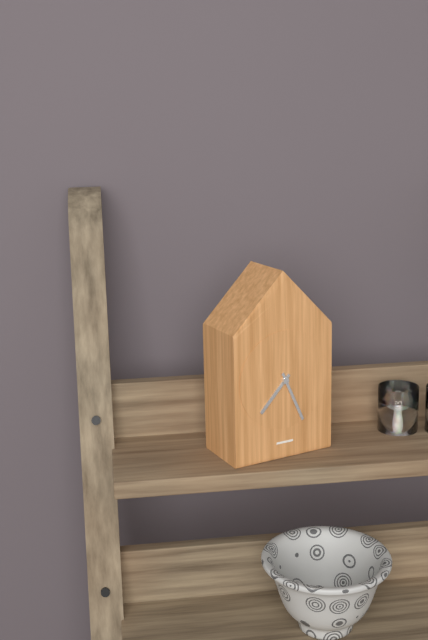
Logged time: 7,26
